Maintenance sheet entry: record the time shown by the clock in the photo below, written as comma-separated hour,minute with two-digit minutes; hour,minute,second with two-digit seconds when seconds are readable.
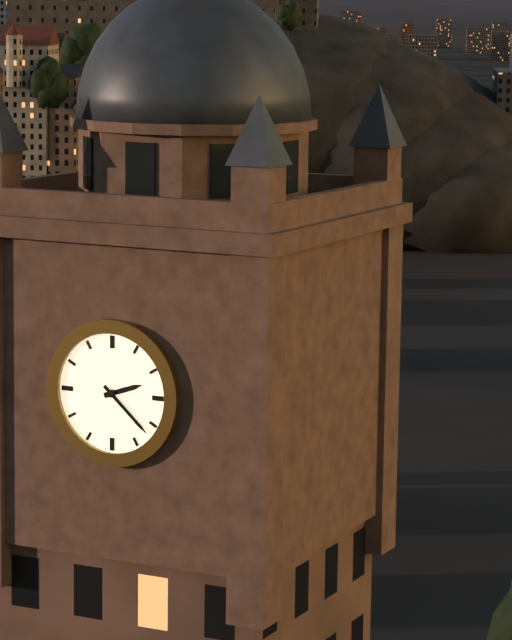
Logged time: 2,22
